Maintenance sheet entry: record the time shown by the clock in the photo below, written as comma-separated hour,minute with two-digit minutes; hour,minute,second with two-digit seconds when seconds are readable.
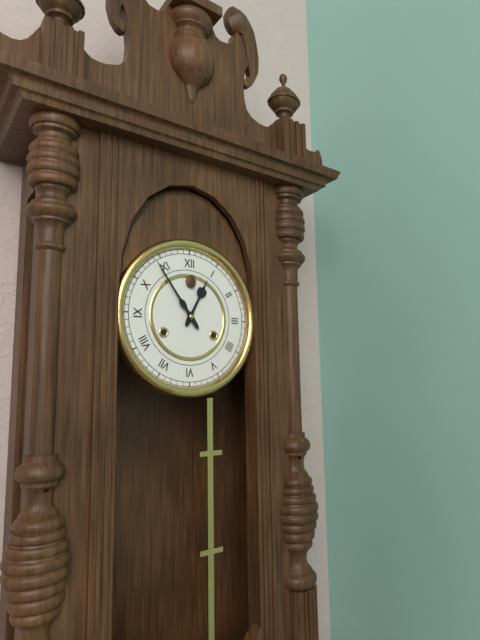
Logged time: 12,54
